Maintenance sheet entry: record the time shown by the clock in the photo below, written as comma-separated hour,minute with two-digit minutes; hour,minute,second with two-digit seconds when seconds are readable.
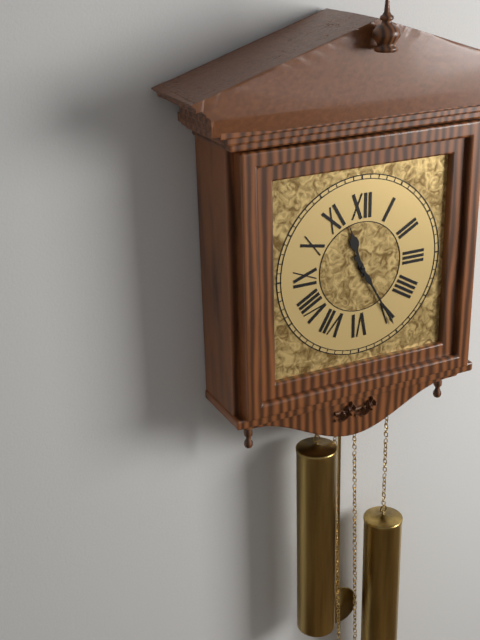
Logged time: 11,25
